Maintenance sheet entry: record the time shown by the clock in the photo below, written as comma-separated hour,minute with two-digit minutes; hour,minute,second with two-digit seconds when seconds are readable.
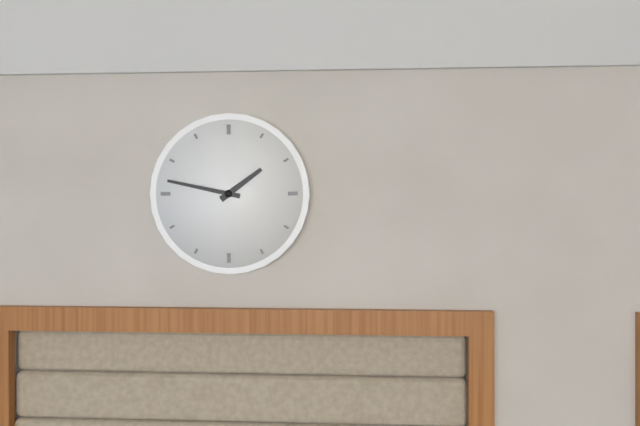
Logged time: 1,47
